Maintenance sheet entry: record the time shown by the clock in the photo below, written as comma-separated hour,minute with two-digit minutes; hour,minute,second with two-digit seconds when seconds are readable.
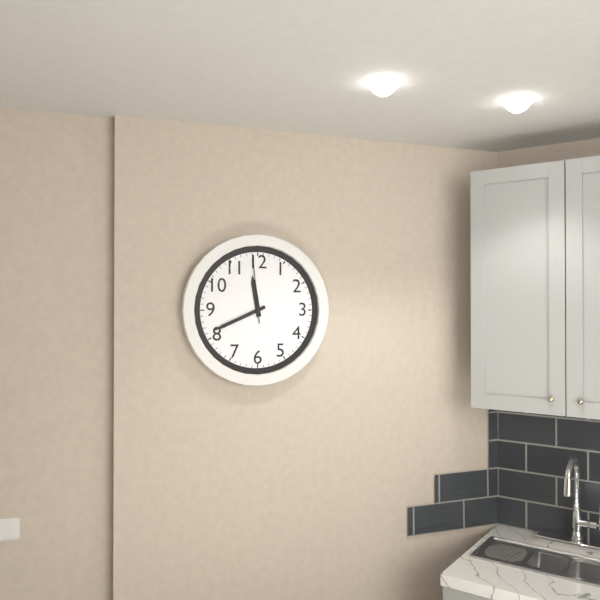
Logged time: 11,41,59
